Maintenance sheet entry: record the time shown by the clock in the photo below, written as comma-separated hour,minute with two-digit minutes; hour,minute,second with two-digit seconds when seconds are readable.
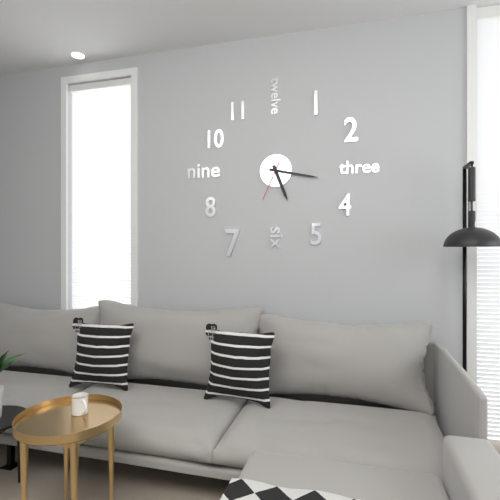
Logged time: 5,17
